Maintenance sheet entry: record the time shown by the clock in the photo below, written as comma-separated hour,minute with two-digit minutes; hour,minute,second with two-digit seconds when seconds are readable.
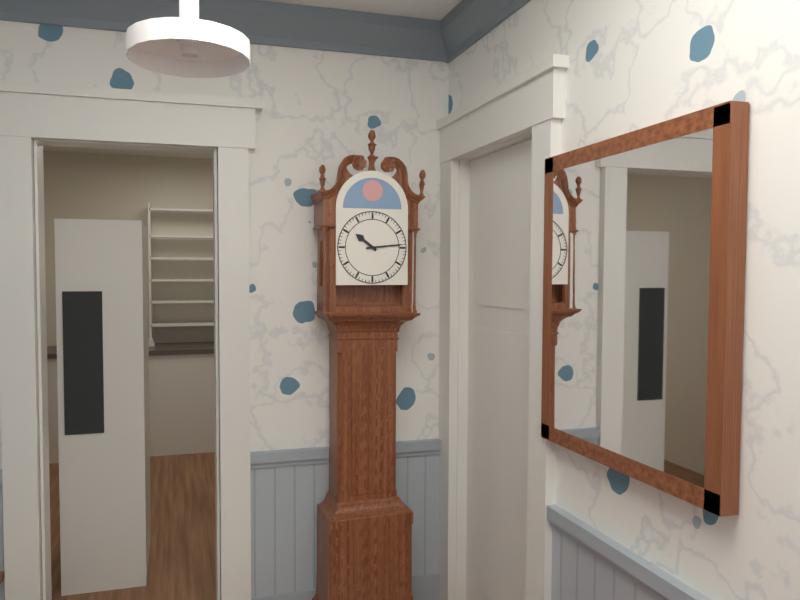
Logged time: 10,14
